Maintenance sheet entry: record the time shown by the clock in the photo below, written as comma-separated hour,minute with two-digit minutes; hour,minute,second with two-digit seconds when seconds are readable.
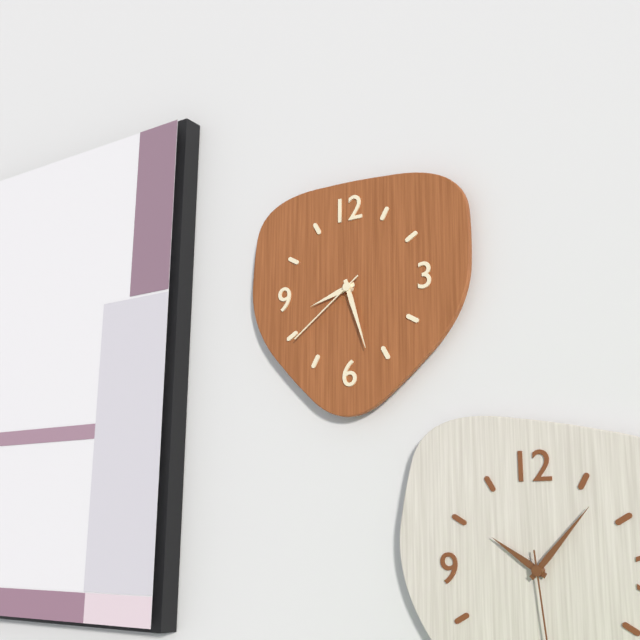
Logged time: 8,27,39
